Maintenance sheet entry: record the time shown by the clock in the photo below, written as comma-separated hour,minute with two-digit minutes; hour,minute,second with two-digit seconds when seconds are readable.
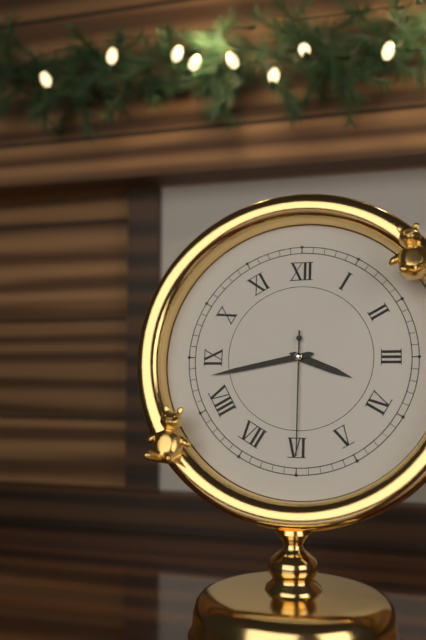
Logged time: 3,43,30
